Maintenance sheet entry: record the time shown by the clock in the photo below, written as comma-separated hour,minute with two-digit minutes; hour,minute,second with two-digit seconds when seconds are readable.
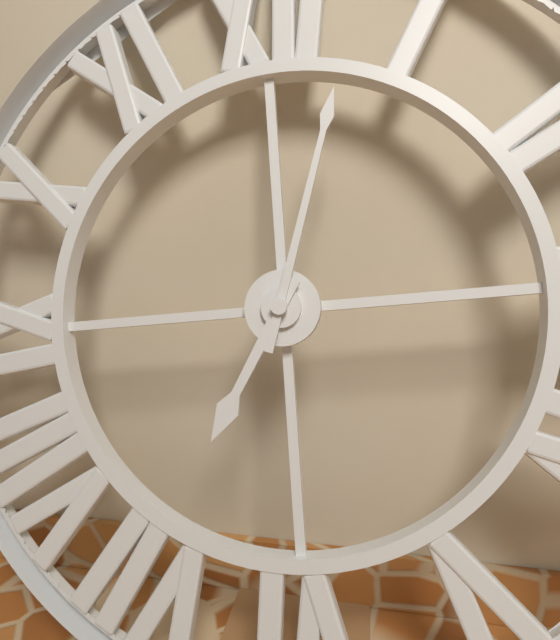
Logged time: 7,03
